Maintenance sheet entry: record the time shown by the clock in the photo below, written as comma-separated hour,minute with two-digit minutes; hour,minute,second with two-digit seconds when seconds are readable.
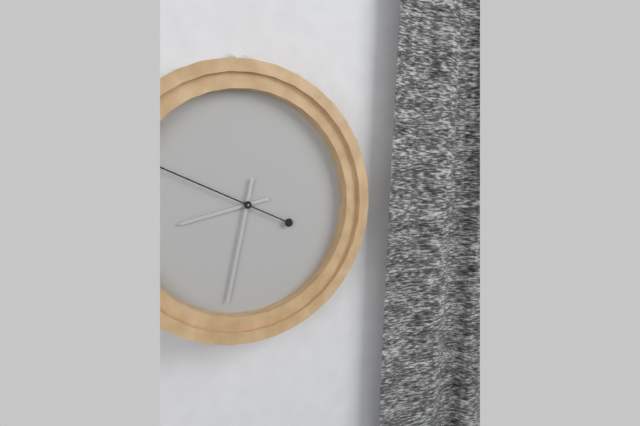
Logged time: 8,32,49
